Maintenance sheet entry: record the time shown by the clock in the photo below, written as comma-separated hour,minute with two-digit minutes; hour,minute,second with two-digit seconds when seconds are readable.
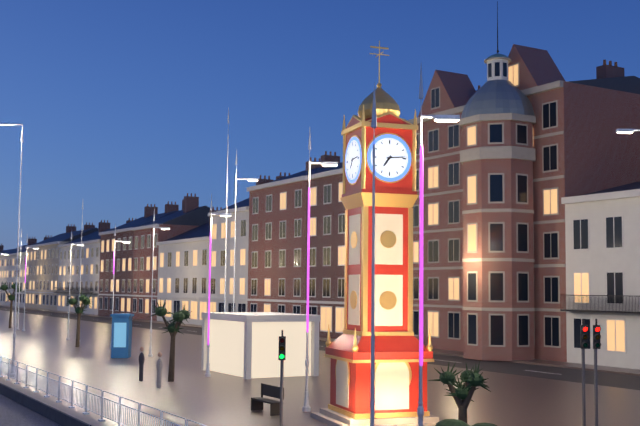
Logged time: 7,14
